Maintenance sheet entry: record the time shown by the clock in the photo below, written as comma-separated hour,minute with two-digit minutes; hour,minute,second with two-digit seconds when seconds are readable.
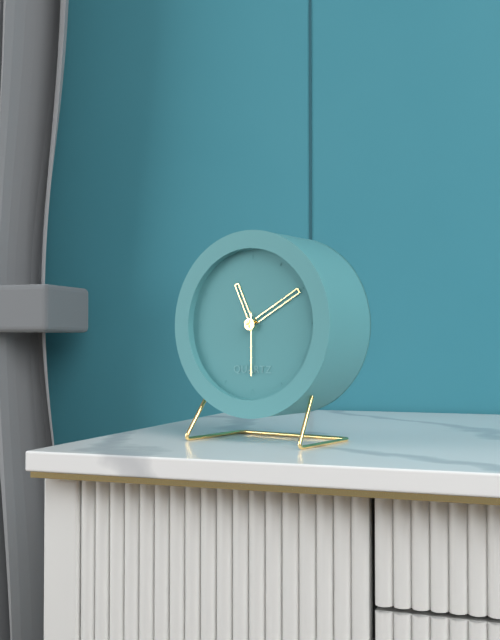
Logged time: 11,10,30
